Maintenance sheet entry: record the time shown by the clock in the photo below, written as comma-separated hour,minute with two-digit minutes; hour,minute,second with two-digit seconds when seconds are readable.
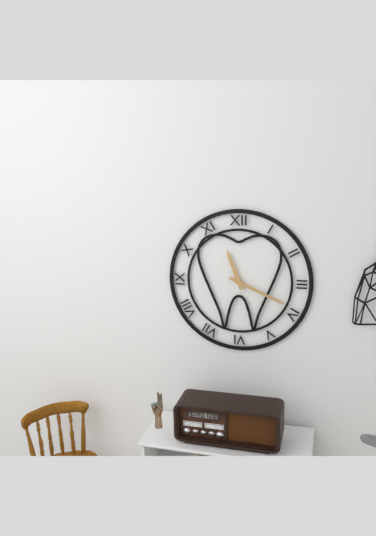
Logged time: 11,19
